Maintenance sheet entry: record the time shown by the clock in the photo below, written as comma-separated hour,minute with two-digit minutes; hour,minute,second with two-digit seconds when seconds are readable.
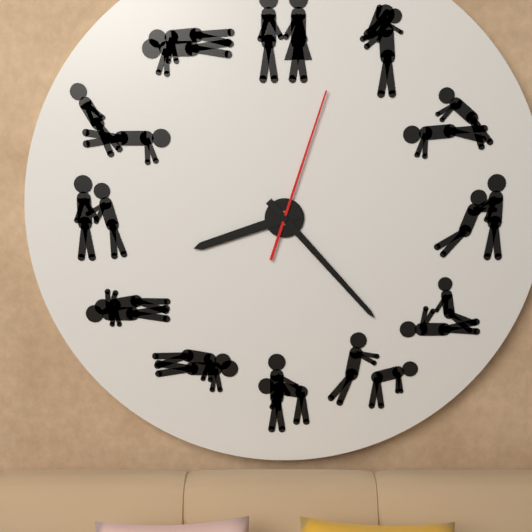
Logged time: 8,23,03
